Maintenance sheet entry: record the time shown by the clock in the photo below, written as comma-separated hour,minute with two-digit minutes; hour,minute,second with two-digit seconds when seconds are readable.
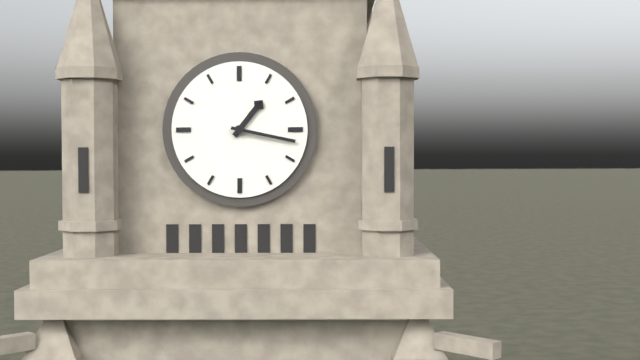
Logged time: 1,17
